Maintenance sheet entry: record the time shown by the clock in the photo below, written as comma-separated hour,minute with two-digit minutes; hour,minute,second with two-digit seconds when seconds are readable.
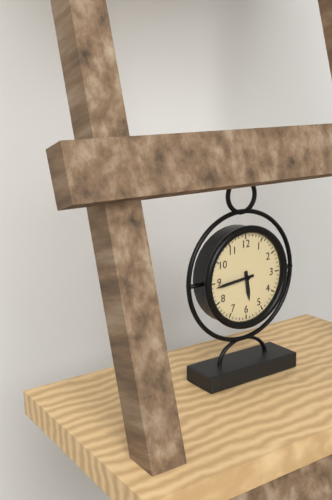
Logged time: 5,44
